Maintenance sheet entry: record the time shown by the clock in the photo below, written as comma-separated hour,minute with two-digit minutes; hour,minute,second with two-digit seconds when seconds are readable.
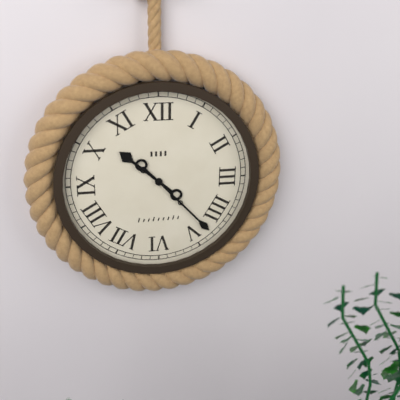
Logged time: 10,23
